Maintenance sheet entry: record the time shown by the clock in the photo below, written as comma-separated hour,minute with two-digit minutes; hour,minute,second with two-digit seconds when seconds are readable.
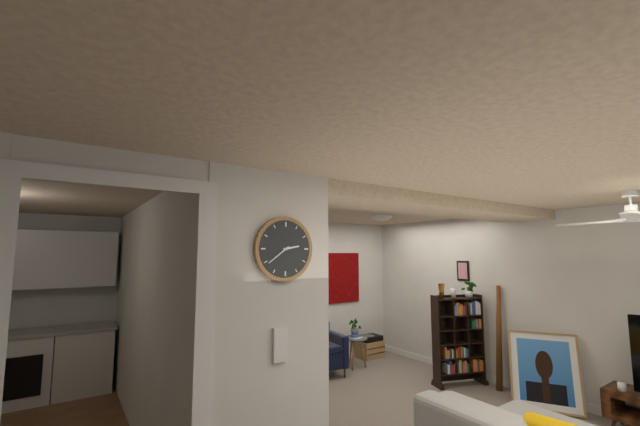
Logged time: 2,39
